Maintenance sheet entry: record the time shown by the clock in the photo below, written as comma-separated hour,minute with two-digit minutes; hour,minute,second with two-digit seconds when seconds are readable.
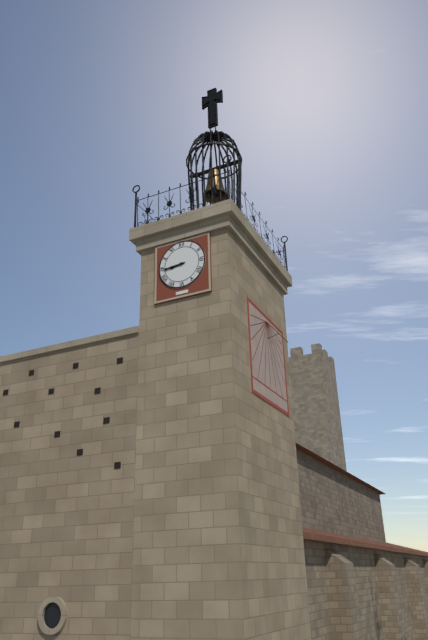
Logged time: 8,44
